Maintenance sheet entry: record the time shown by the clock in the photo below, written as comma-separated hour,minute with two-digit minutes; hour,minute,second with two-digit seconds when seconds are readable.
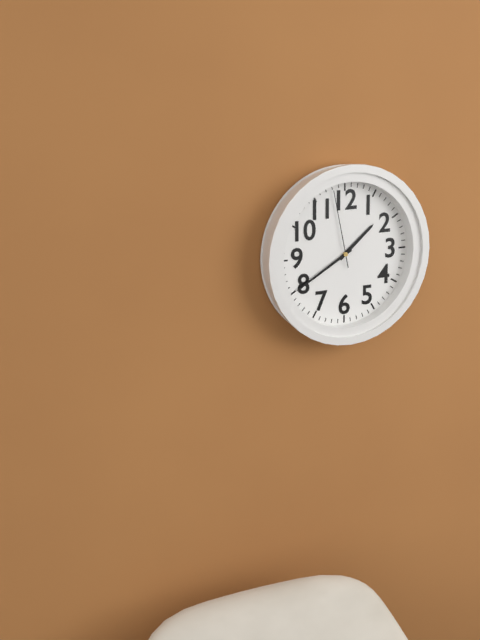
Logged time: 1,40,58
